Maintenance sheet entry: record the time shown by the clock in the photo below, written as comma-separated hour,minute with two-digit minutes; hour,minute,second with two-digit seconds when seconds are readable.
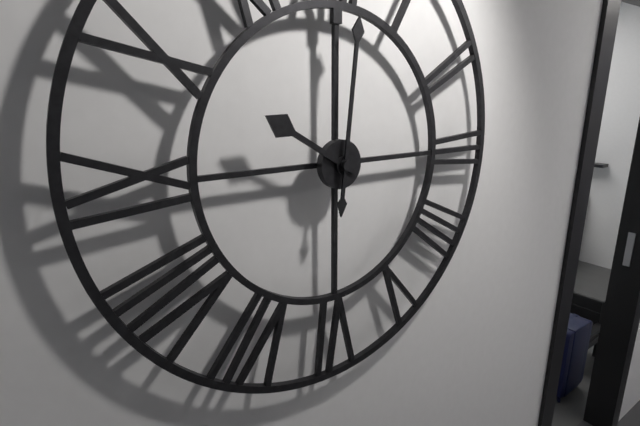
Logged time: 10,01
